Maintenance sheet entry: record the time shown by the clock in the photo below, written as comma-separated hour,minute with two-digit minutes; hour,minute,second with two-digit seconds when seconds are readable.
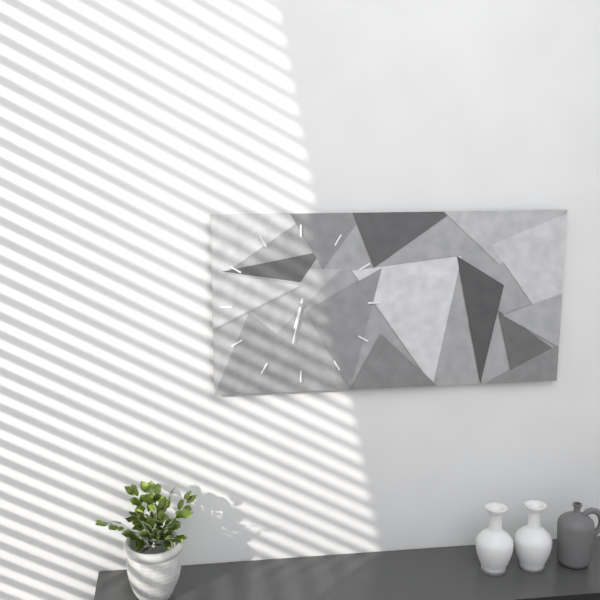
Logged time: 6,32
